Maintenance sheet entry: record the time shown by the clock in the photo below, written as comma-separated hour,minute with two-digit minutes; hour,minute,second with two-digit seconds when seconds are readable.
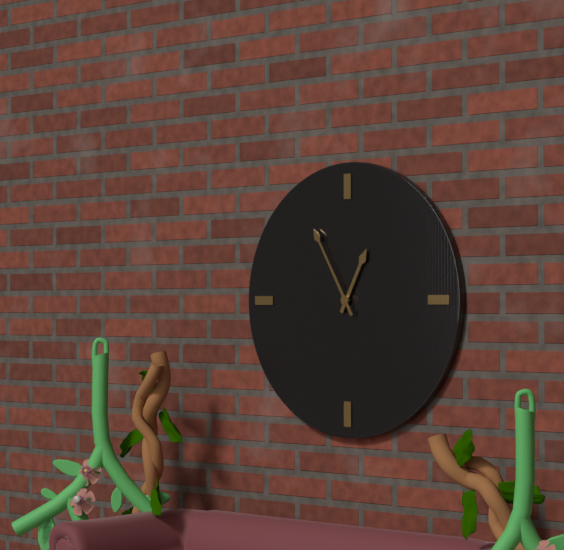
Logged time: 12,55
